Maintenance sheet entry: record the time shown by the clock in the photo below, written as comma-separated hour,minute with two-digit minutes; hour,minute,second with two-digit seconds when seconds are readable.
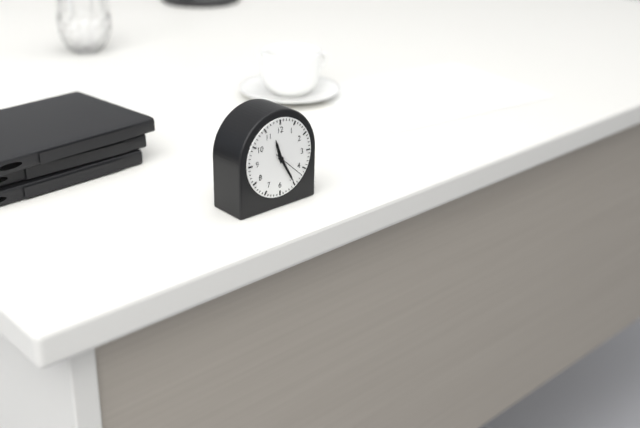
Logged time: 11,25,22
